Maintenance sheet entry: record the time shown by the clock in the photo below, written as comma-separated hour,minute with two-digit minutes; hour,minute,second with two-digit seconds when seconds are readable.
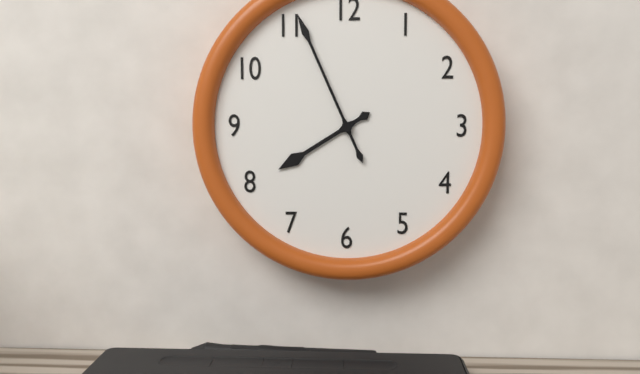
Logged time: 7,56
